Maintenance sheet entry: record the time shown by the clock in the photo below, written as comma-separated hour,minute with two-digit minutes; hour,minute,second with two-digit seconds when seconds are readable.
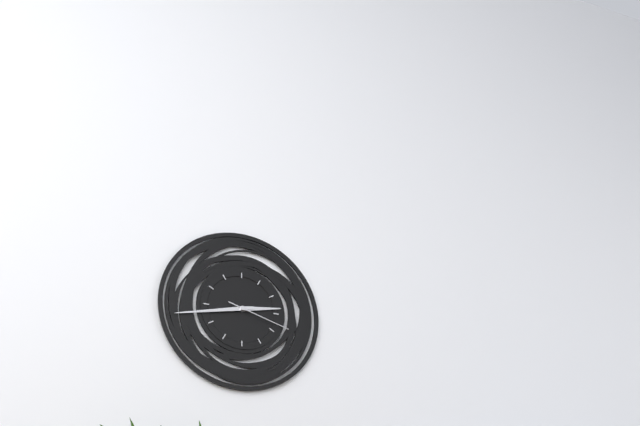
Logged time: 2,43,18
